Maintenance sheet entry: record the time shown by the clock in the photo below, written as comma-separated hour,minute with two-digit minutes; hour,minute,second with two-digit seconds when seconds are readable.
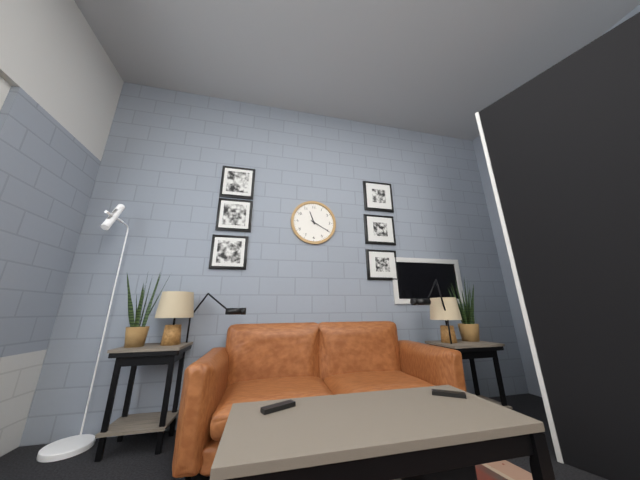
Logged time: 11,20
